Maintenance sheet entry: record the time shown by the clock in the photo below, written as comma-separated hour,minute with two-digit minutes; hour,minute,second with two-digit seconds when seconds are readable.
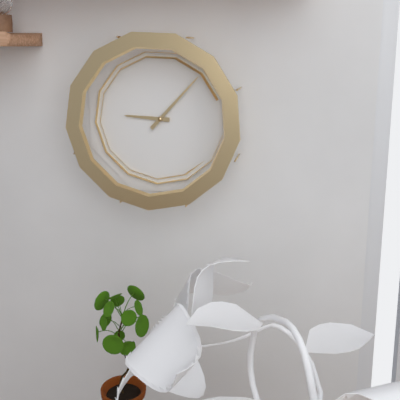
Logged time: 9,07
